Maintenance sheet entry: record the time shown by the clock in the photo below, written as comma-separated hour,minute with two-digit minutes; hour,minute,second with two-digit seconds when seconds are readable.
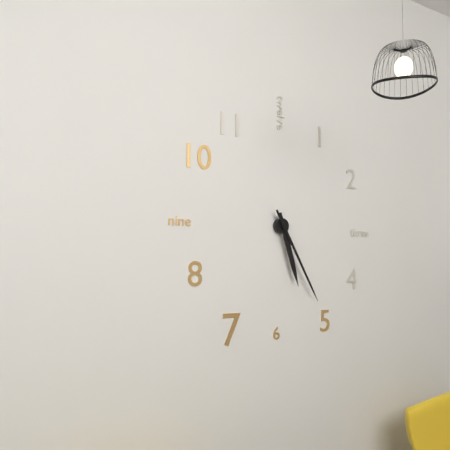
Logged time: 5,25
